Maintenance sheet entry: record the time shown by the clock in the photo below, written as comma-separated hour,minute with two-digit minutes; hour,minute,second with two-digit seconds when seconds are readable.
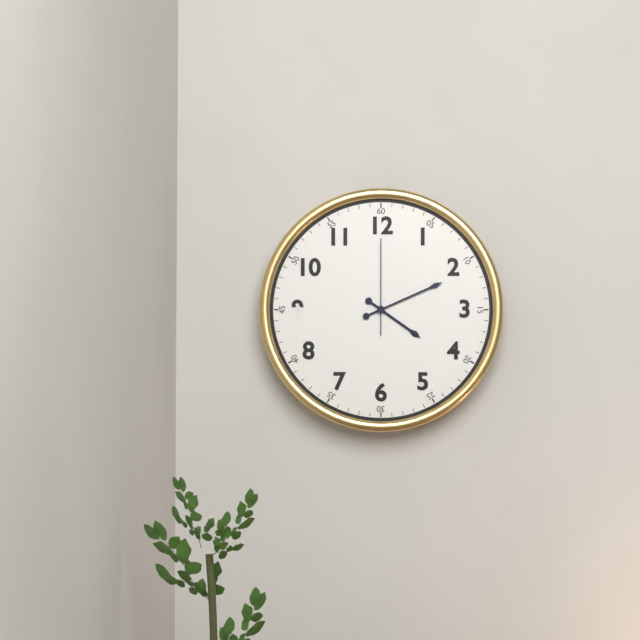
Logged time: 4,11,00
